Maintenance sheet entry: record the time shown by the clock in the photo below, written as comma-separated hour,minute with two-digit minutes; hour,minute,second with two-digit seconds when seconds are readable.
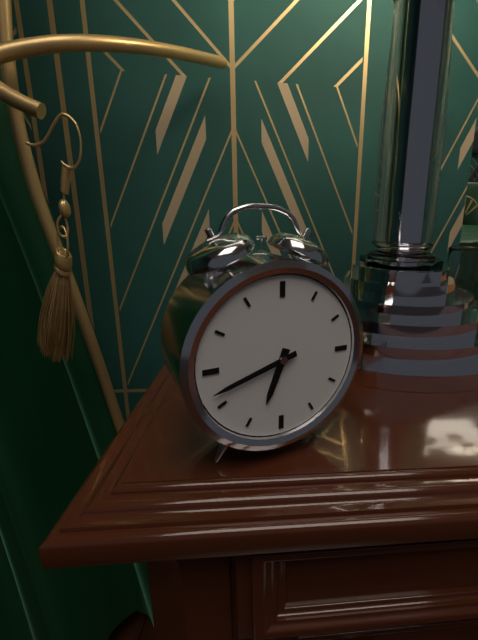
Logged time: 6,42
